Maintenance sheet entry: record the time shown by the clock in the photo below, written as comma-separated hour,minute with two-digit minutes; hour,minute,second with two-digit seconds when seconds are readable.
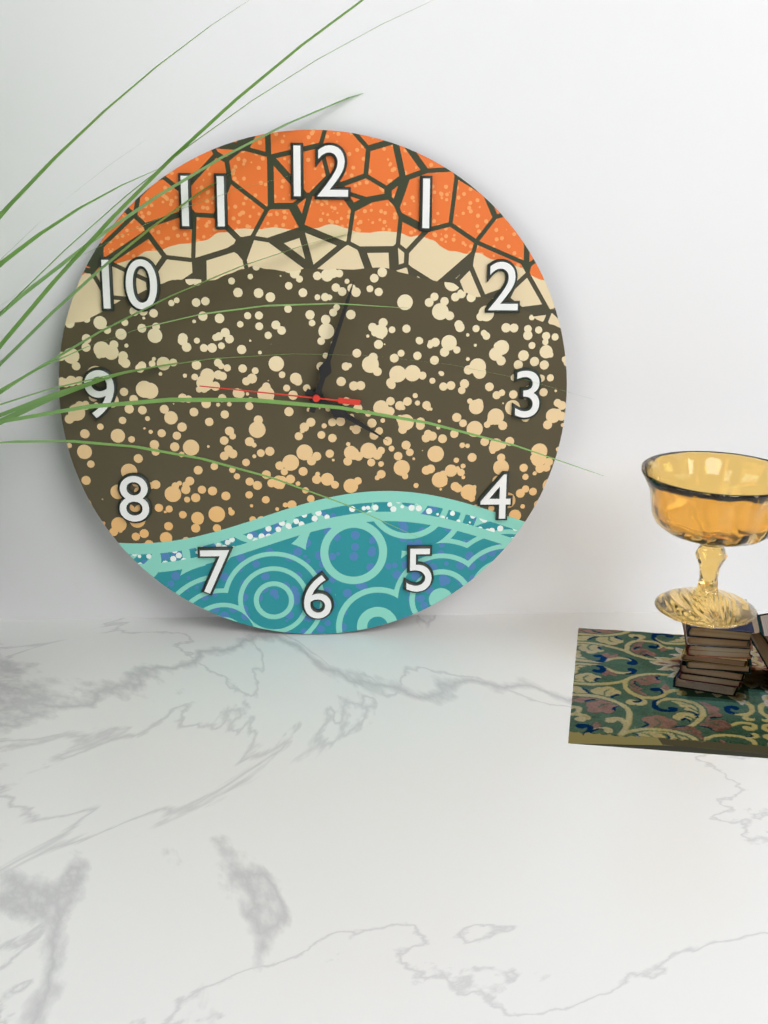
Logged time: 4,03,46
